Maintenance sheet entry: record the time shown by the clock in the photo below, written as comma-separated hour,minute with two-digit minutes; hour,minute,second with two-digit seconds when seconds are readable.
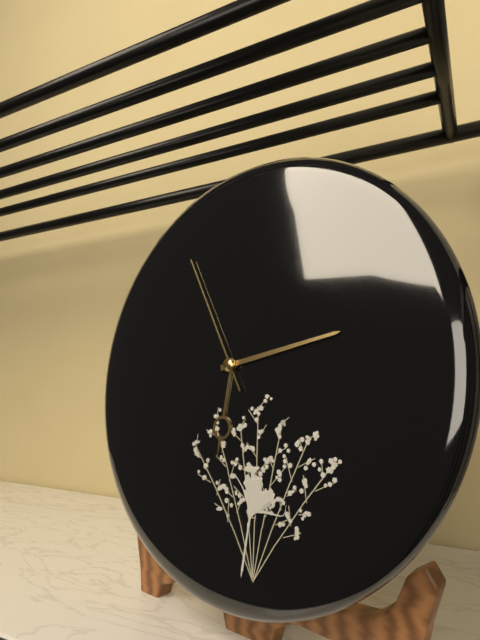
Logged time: 6,13,55
